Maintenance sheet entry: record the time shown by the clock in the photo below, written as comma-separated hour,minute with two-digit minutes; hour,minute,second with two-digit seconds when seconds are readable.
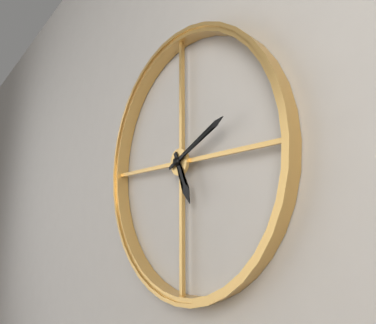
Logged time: 5,11
